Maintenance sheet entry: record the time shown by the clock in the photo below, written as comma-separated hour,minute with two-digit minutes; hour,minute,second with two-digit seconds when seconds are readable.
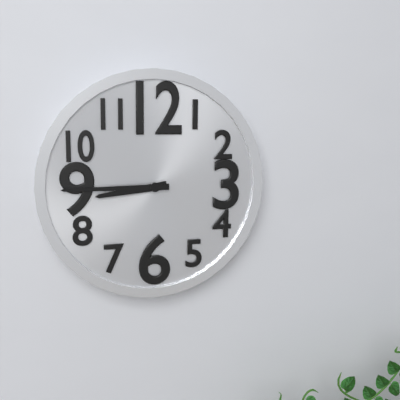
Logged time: 8,45
